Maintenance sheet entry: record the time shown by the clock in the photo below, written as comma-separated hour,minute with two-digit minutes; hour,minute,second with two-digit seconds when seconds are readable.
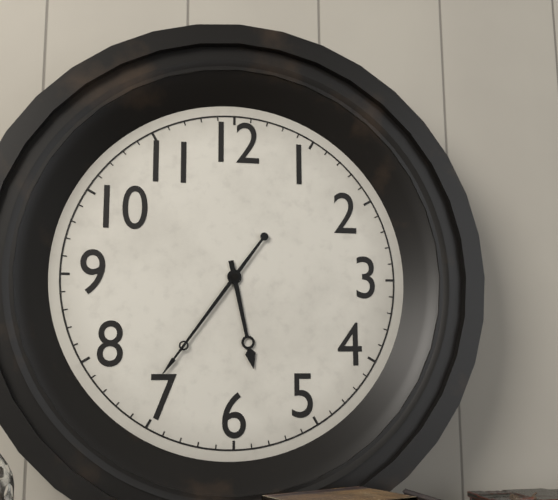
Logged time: 5,36
